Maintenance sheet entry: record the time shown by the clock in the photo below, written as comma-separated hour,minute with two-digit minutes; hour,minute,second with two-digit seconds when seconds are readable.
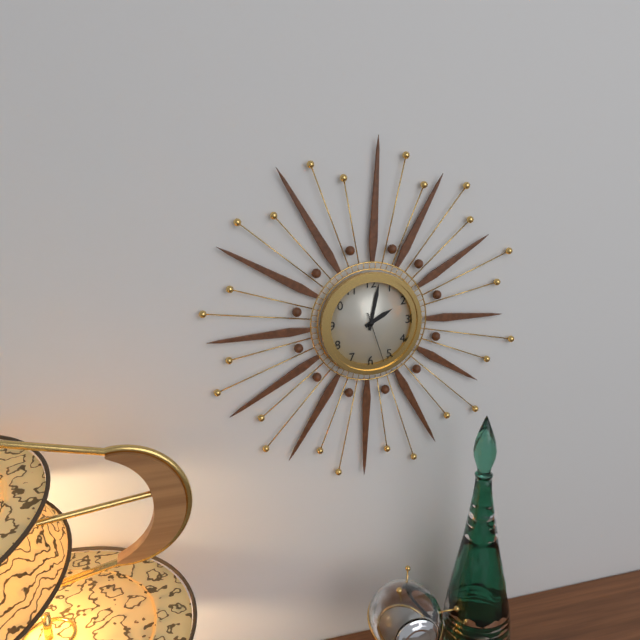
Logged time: 2,02,27
